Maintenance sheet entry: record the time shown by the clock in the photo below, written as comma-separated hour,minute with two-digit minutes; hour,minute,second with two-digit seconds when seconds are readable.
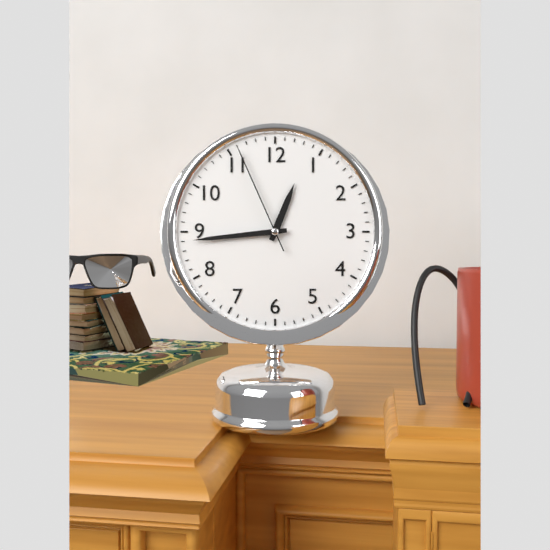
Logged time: 12,44,56
